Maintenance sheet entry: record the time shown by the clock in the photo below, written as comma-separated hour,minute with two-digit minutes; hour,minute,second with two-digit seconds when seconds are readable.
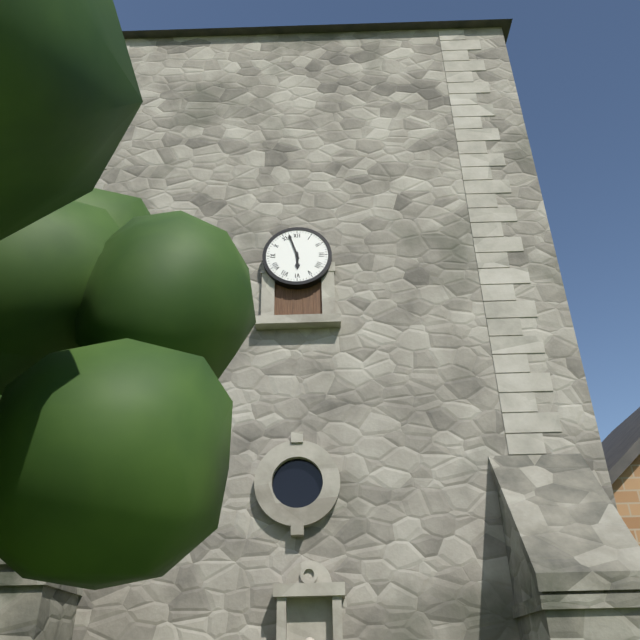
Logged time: 5,57
